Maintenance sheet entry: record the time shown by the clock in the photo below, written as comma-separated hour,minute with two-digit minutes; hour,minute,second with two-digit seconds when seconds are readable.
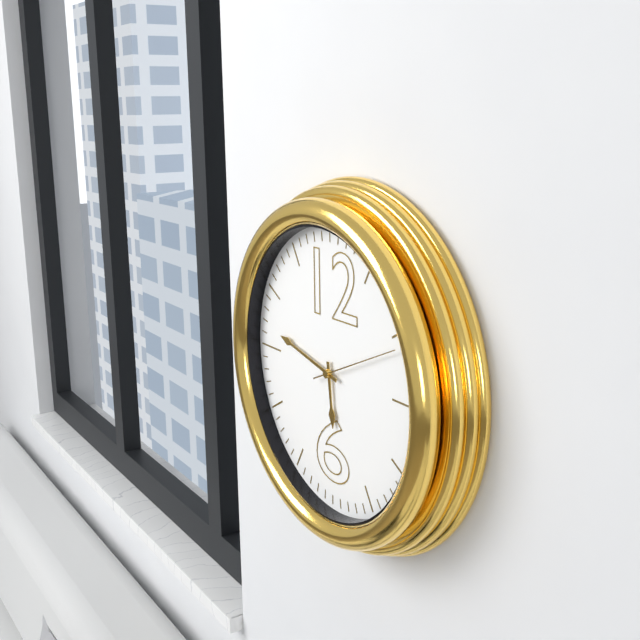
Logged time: 5,47
